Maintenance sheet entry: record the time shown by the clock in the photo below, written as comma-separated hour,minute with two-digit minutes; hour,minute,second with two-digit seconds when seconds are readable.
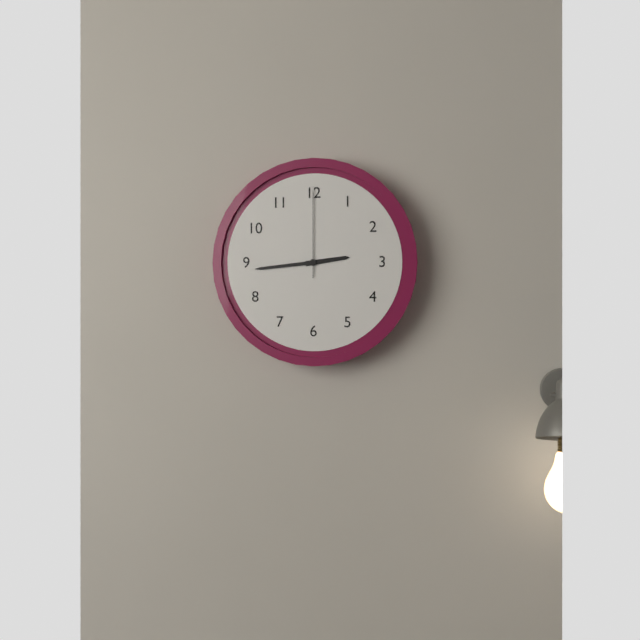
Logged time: 2,44,00
